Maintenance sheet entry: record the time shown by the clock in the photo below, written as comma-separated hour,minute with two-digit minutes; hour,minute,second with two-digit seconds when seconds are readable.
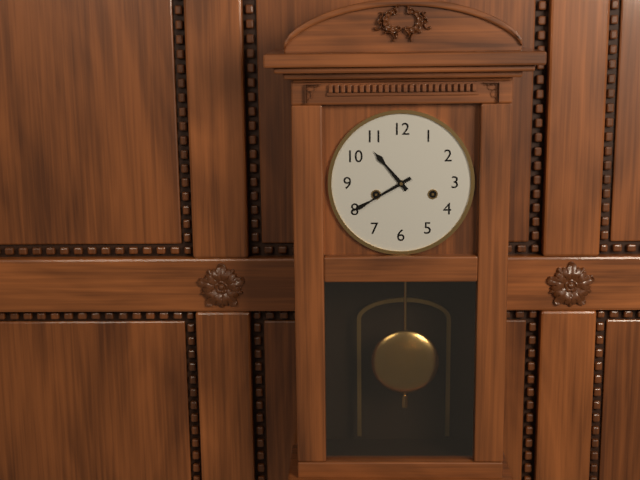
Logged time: 10,40
